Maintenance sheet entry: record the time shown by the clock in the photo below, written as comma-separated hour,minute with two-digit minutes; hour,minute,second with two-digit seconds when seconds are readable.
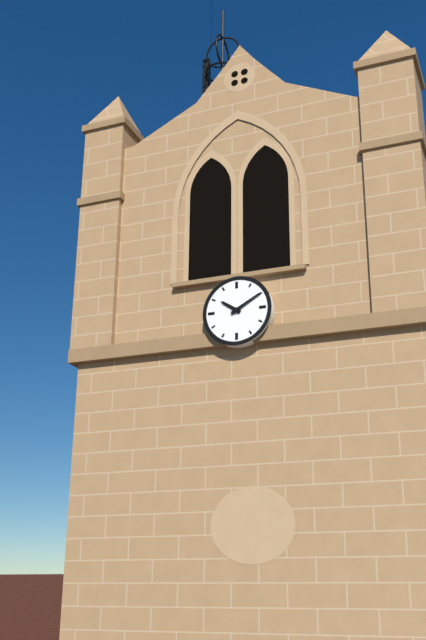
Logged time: 10,10
